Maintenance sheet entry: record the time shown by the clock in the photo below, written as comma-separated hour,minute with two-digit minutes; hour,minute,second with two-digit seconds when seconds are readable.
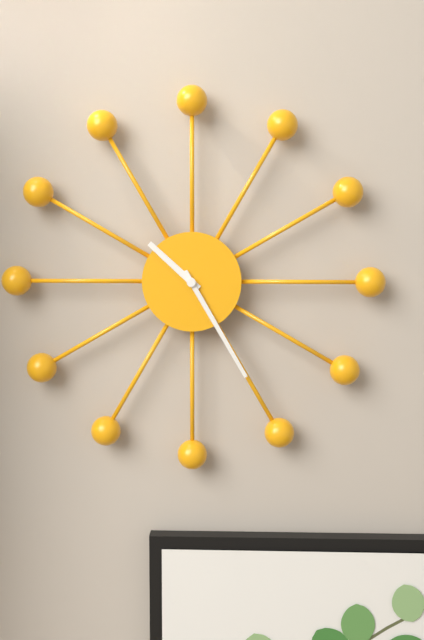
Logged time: 10,25
